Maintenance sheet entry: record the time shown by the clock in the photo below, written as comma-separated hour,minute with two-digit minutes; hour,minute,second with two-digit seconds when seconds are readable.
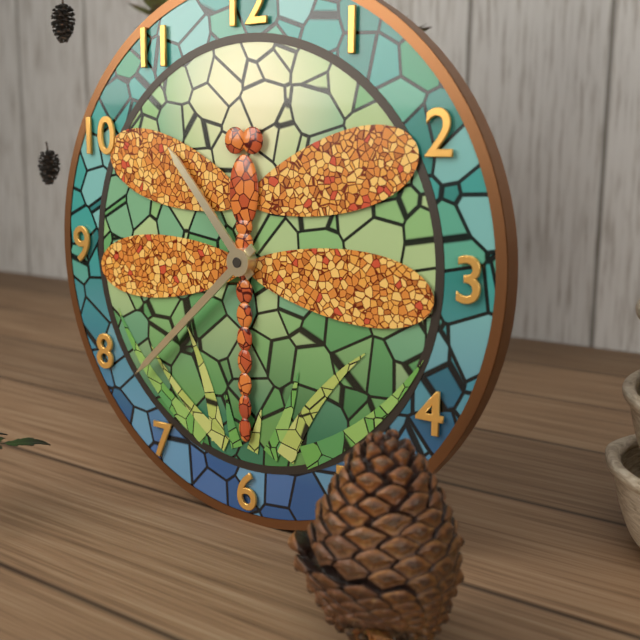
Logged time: 10,38
